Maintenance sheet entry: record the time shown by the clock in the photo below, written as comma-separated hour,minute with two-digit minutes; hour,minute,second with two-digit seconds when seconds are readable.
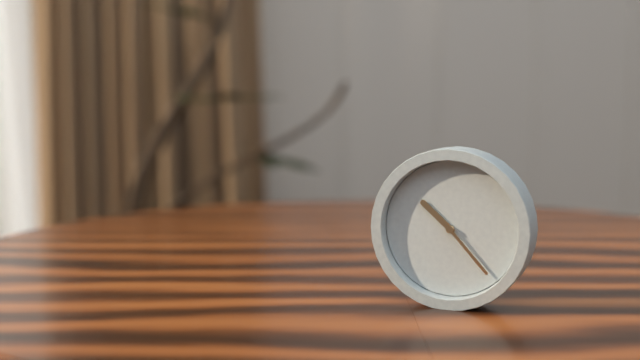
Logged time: 10,23
